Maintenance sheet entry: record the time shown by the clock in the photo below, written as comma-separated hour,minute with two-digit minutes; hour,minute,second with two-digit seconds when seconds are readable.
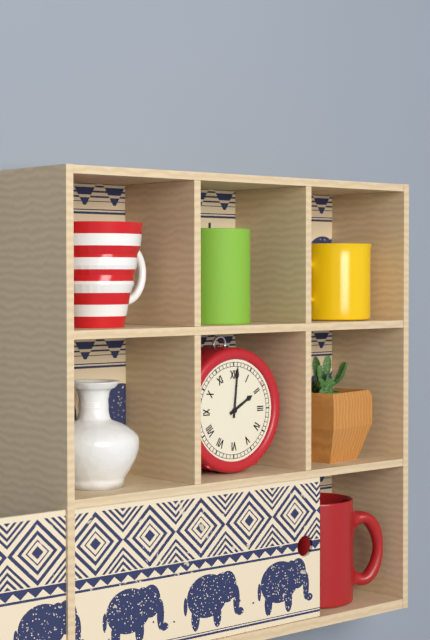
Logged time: 2,01
